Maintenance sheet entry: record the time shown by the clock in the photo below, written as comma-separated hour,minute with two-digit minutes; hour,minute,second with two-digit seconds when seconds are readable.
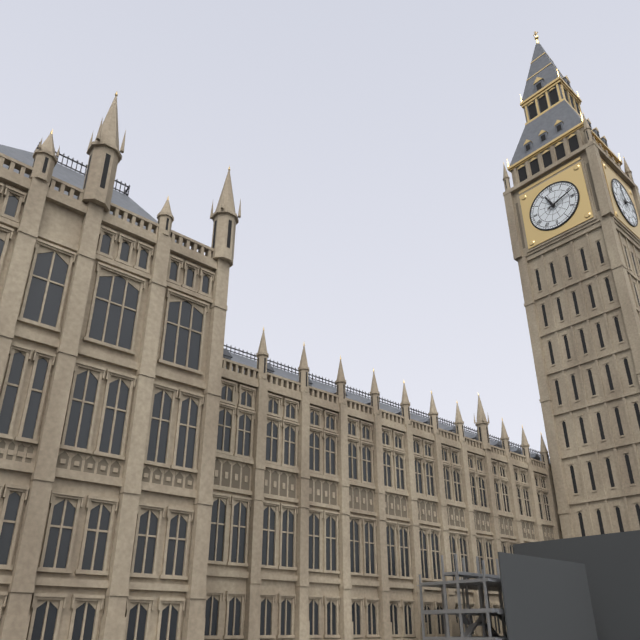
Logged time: 11,12
